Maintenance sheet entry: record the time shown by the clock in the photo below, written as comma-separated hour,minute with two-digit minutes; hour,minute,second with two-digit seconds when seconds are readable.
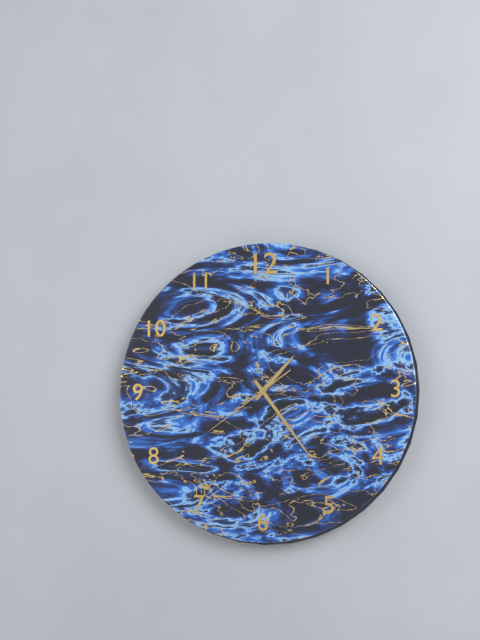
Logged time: 1,24,39
